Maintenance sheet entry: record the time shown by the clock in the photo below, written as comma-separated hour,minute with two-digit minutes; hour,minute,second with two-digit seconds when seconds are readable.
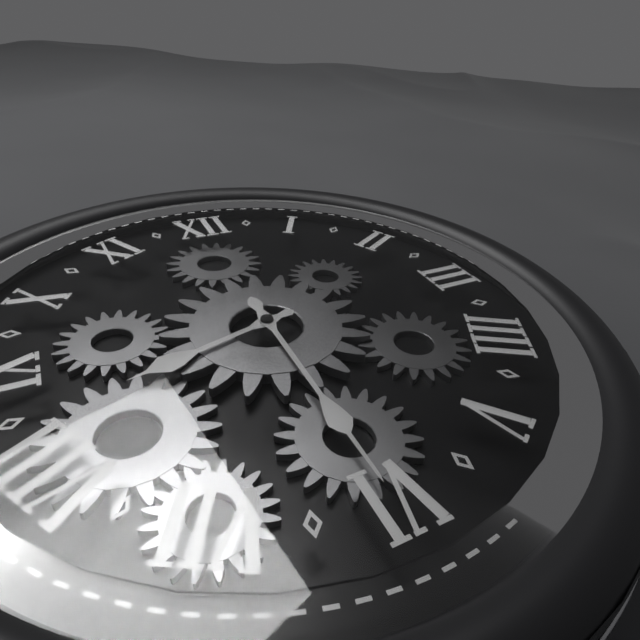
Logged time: 8,30
